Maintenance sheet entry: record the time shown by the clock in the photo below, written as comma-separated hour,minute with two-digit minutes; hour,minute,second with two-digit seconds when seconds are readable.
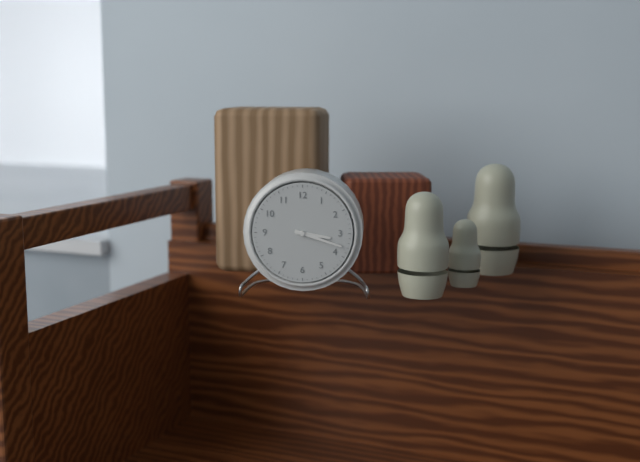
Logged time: 3,18
